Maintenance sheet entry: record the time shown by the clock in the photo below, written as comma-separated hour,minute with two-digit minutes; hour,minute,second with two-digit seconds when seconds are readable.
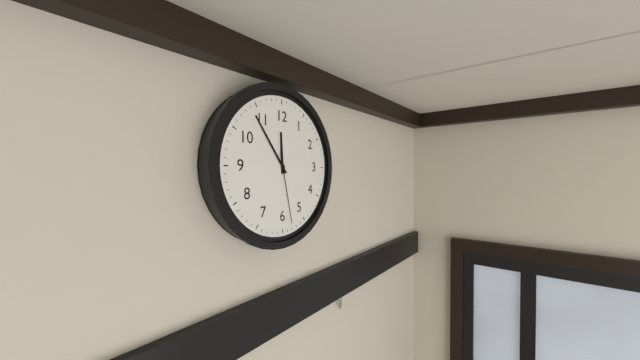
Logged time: 11,54,28
